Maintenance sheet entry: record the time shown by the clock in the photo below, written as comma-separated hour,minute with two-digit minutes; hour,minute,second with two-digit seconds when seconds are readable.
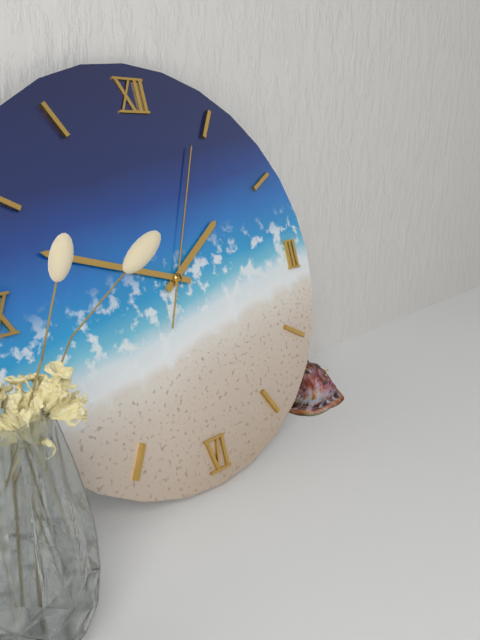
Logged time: 1,48,04
